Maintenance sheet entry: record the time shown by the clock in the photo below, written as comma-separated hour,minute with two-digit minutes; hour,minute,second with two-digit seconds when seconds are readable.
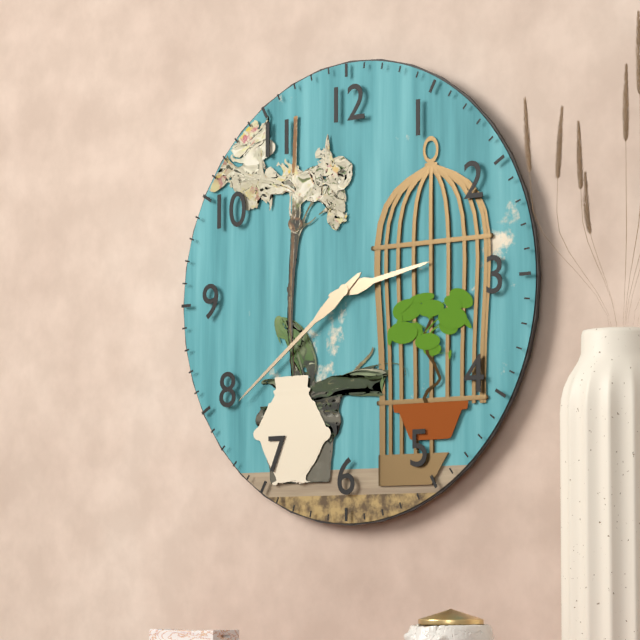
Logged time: 2,39
